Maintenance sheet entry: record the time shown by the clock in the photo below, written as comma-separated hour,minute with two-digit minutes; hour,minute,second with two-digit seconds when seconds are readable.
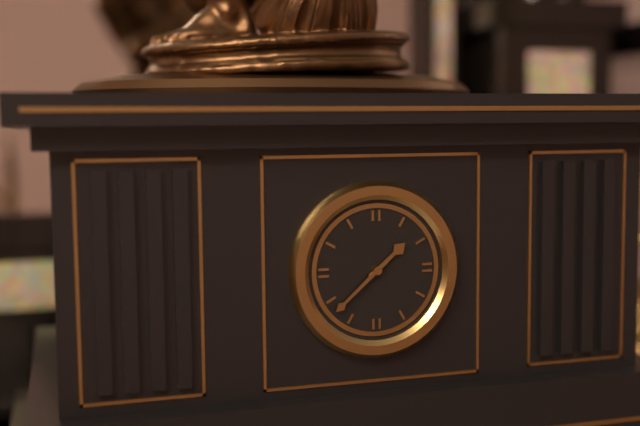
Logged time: 1,38
